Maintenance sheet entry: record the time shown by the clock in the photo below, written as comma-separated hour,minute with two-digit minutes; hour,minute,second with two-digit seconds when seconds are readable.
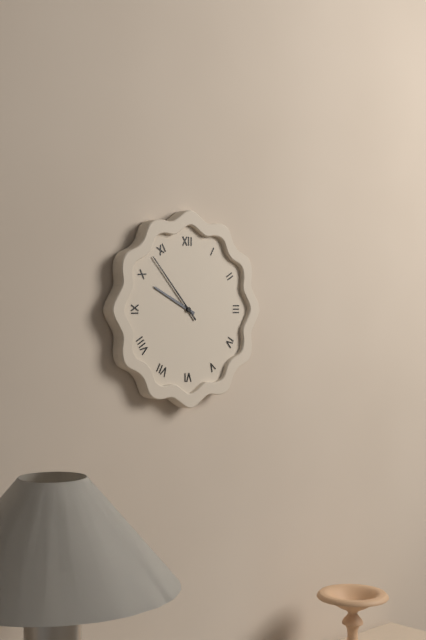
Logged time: 9,53
